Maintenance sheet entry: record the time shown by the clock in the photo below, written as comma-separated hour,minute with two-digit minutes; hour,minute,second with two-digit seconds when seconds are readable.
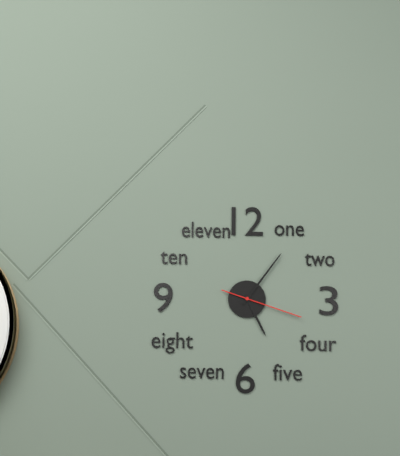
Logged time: 5,06,18
